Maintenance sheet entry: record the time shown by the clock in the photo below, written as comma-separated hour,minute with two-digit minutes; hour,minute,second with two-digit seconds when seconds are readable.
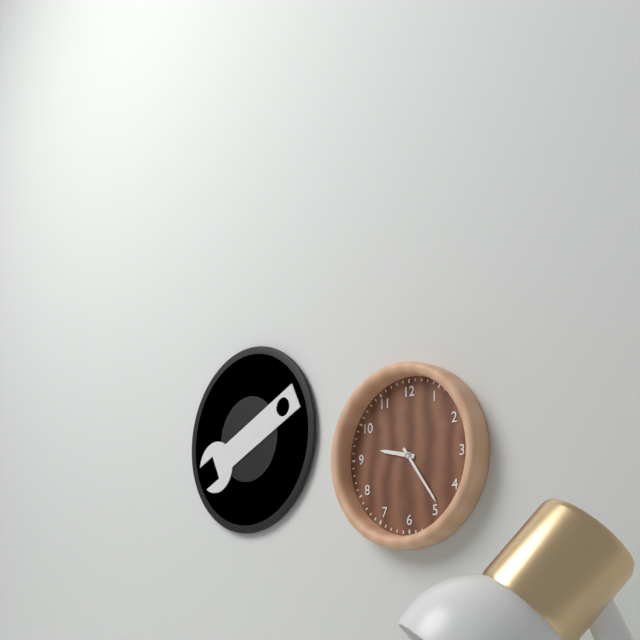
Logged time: 9,24
